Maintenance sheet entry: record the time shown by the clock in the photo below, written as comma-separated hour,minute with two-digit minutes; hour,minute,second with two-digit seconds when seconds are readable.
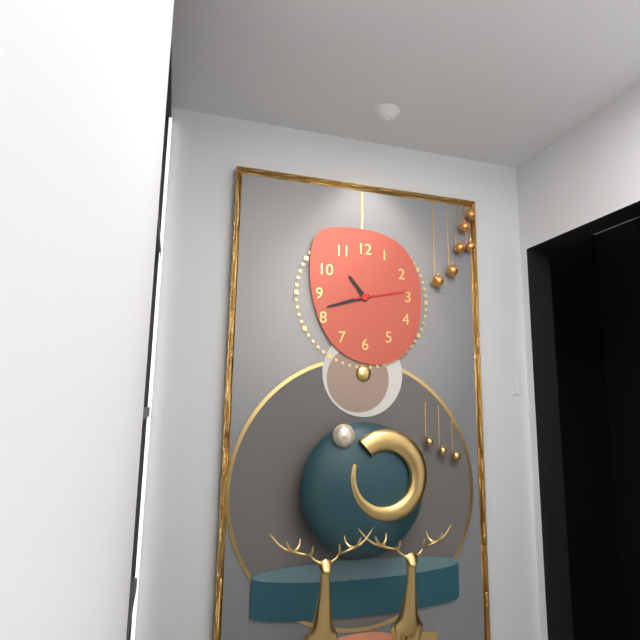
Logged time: 10,42,13
